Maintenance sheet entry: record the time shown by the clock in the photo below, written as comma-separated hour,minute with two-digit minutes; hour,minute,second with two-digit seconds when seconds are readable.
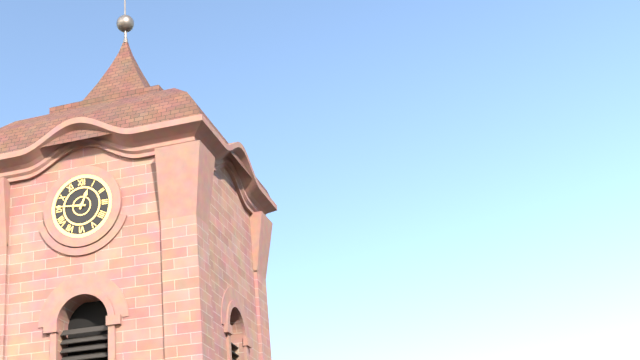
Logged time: 12,46
